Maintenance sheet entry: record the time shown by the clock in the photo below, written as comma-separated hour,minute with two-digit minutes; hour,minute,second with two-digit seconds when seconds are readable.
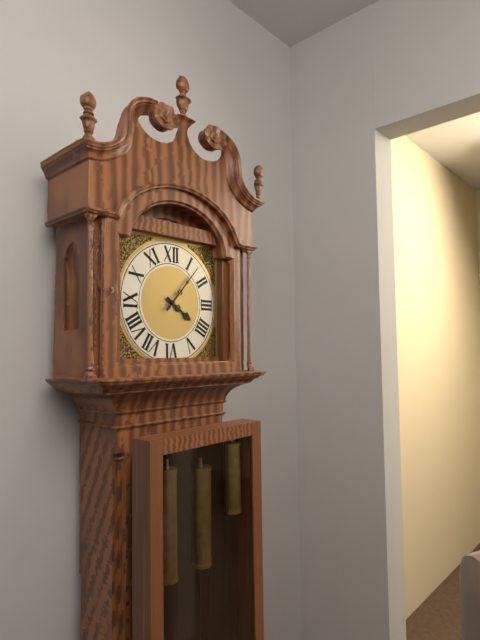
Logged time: 4,07
